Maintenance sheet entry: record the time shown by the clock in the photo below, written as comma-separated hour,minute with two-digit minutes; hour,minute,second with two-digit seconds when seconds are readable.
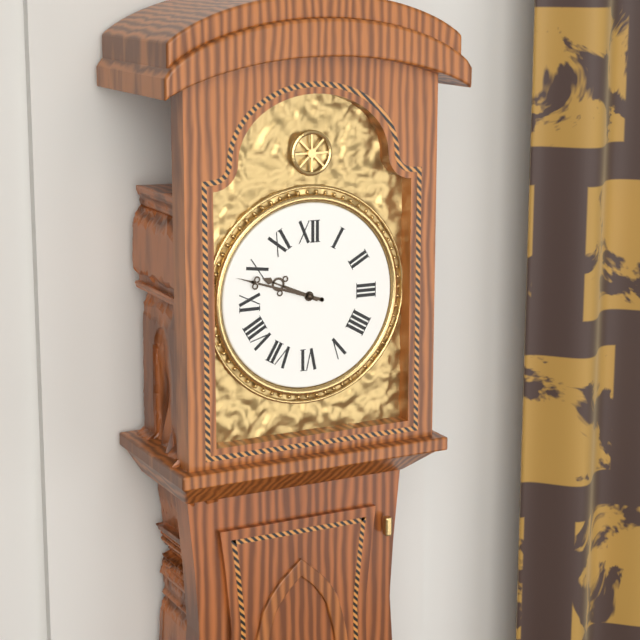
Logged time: 9,48
